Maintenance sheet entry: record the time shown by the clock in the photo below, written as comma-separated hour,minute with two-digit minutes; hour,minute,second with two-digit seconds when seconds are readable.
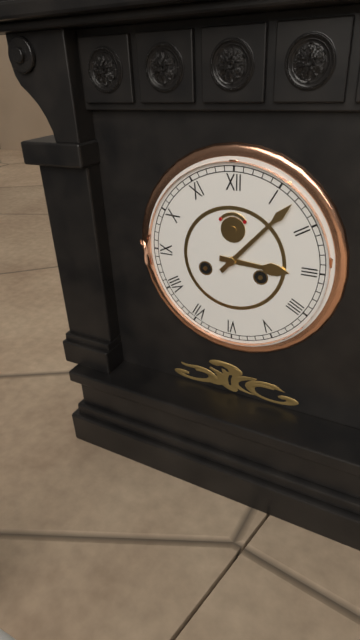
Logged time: 3,07
